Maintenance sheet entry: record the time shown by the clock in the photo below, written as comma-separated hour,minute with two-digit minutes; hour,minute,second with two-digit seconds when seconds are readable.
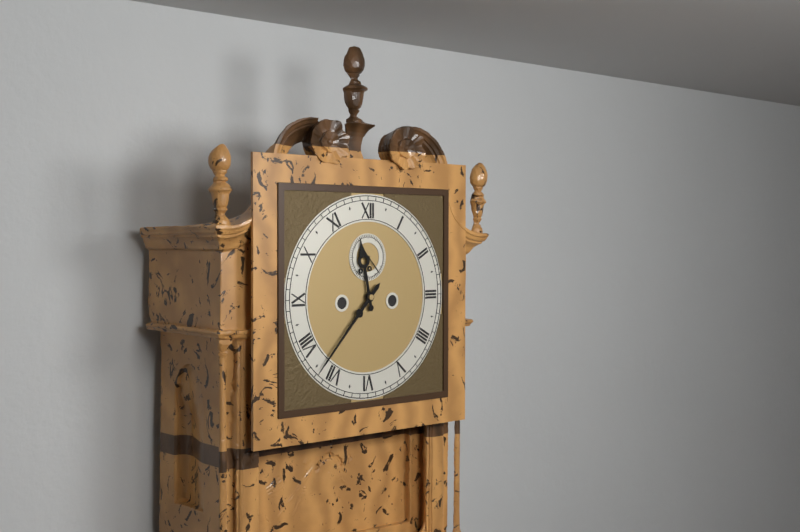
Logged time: 11,37
